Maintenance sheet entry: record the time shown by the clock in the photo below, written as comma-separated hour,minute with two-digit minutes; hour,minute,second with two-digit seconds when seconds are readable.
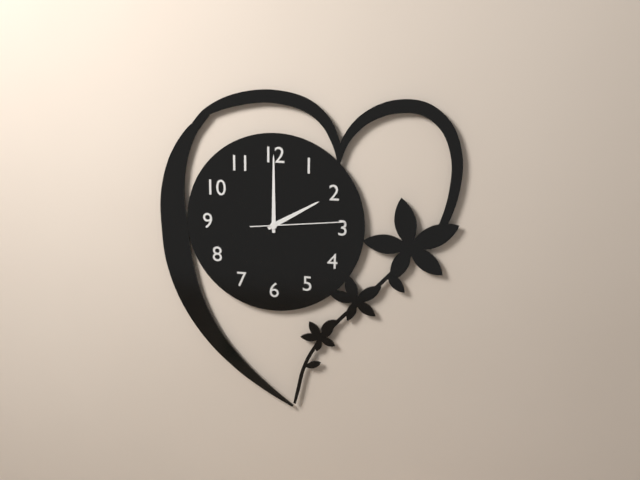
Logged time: 2,00,14
